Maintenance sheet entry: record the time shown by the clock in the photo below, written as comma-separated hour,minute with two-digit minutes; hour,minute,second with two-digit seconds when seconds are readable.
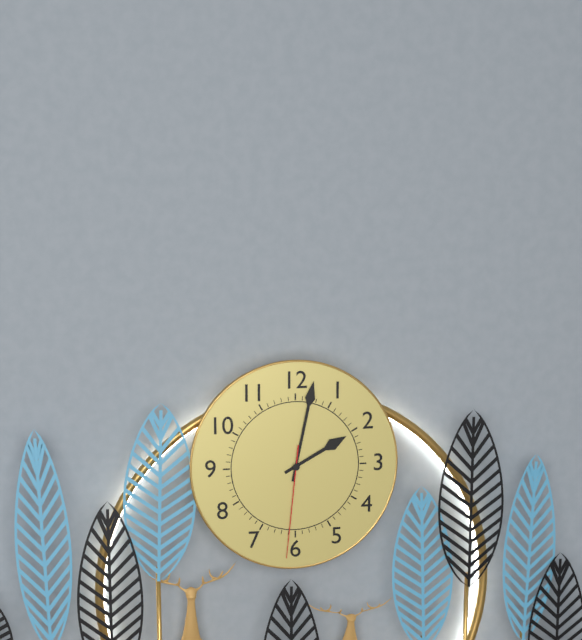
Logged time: 2,02,31
